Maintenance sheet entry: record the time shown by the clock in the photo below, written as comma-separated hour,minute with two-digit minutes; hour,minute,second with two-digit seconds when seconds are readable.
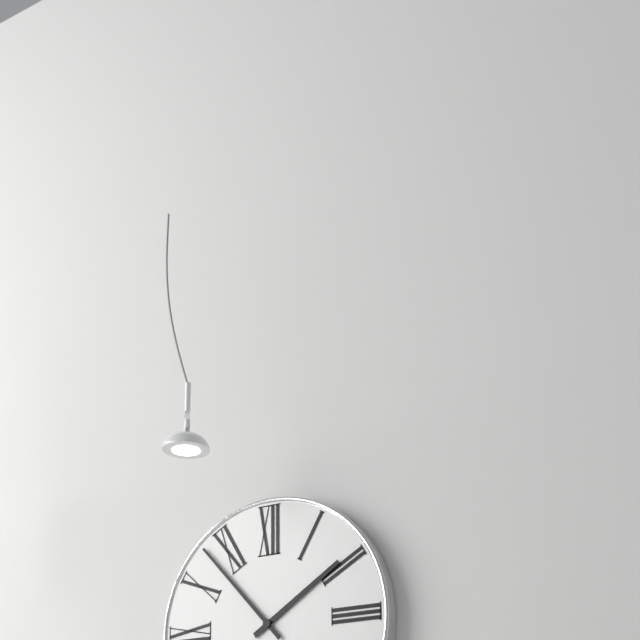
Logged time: 1,53
